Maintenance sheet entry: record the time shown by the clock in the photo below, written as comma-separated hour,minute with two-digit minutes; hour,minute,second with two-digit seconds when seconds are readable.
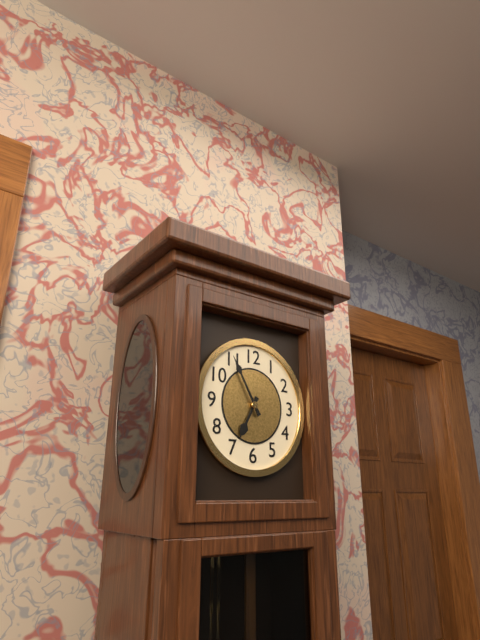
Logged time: 6,55
